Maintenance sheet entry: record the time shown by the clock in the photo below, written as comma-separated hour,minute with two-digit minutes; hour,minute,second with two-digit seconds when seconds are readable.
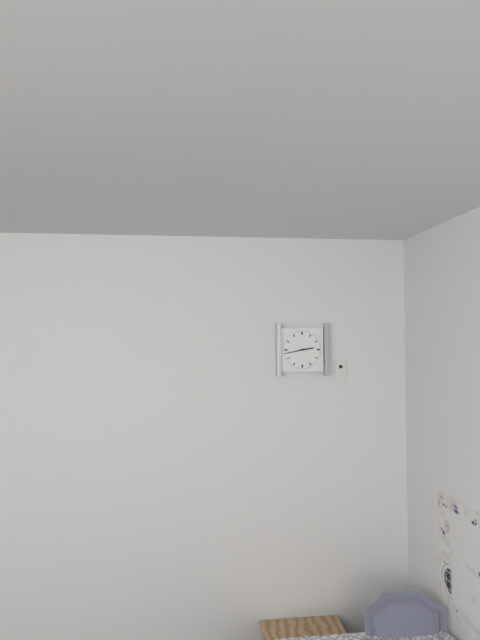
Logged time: 2,43
